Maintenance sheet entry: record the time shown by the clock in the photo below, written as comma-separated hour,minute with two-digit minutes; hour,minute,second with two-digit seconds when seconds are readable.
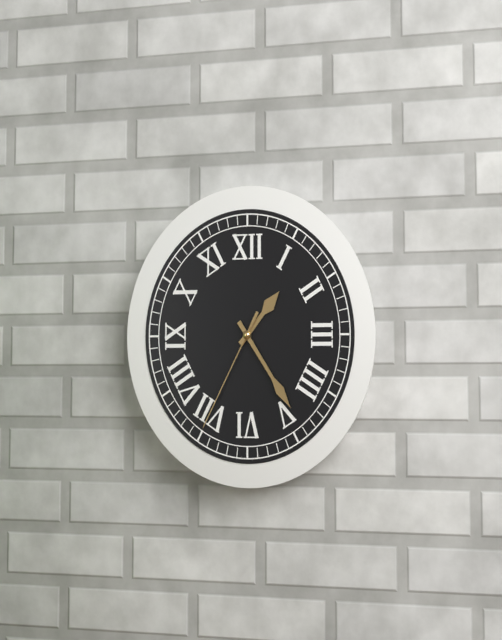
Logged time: 1,24,35
